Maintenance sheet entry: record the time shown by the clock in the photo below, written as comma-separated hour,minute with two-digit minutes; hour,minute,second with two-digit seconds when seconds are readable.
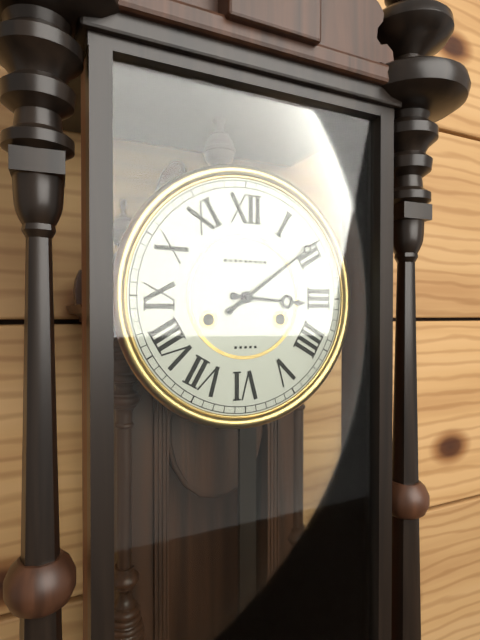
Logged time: 3,09
